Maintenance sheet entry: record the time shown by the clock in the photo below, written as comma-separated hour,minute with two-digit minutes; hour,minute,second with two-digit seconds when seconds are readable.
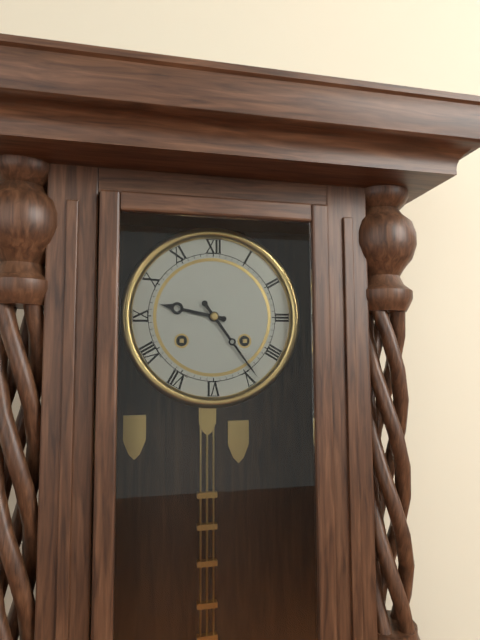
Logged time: 9,24
